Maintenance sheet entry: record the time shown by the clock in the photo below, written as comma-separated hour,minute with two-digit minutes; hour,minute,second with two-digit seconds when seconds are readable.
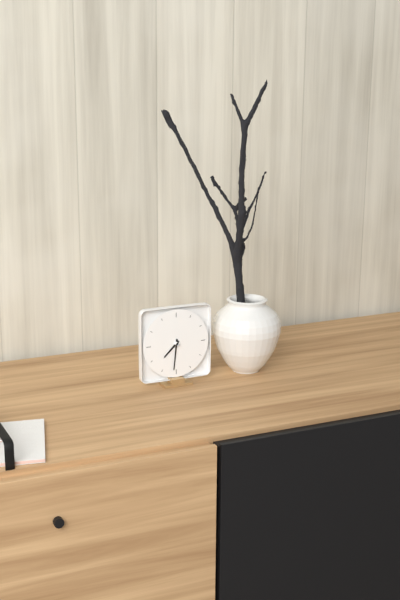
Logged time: 7,31
